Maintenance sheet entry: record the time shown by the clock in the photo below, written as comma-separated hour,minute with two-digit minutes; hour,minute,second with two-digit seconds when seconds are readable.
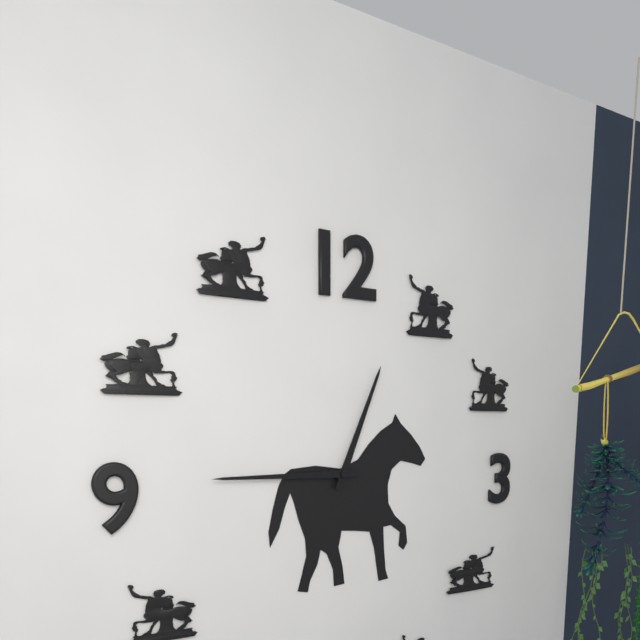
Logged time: 12,45
